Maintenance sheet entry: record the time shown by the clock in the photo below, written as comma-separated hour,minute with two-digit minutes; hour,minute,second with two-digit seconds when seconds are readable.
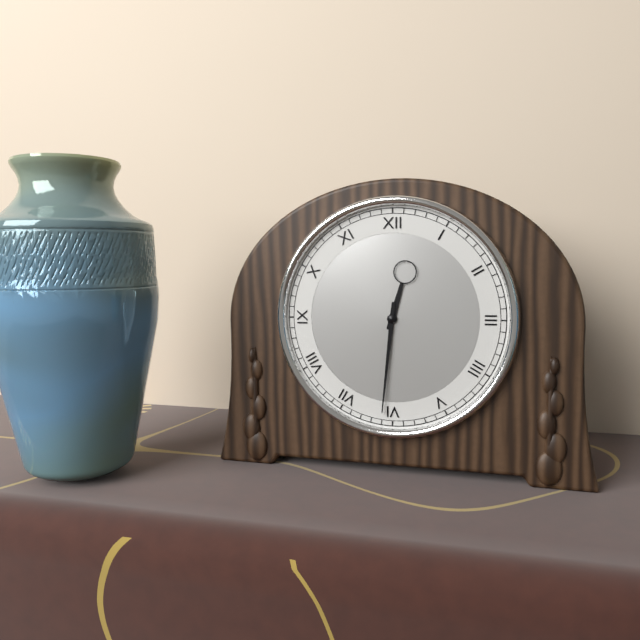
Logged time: 12,31
